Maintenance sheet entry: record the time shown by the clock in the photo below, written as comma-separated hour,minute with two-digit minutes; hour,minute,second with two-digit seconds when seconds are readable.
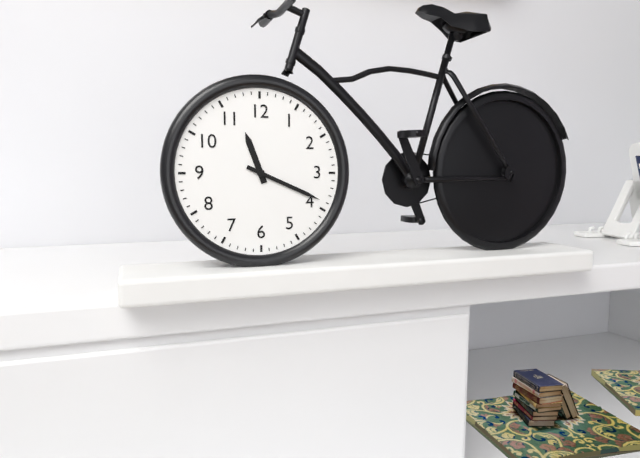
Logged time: 11,19
